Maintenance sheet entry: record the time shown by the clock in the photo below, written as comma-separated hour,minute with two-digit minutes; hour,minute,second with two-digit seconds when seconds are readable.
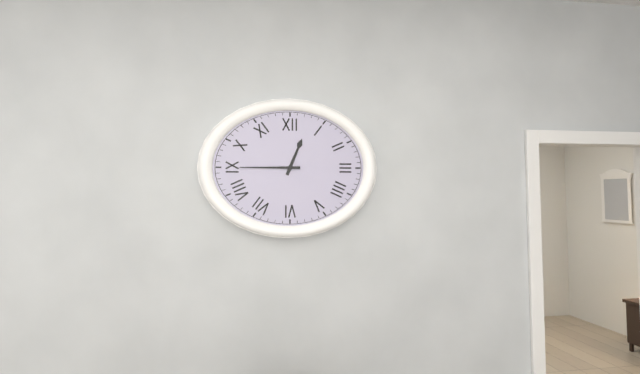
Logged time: 12,45
